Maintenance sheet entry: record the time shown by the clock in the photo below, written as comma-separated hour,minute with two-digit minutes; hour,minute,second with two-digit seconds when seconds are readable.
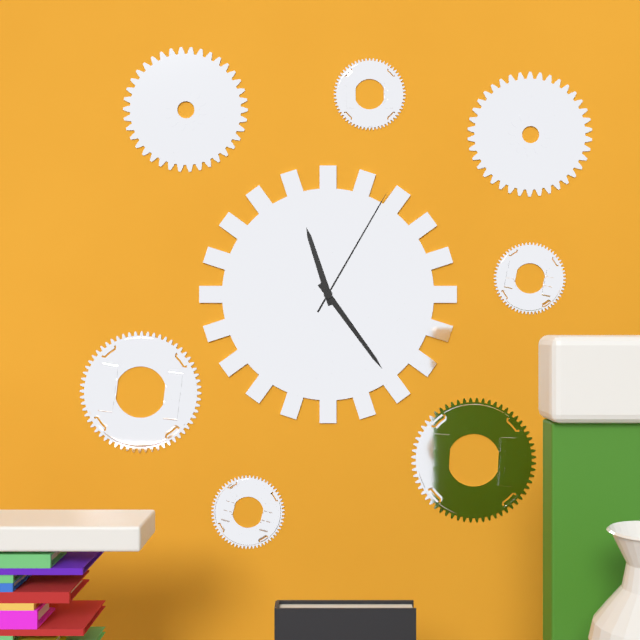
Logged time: 11,24,05
